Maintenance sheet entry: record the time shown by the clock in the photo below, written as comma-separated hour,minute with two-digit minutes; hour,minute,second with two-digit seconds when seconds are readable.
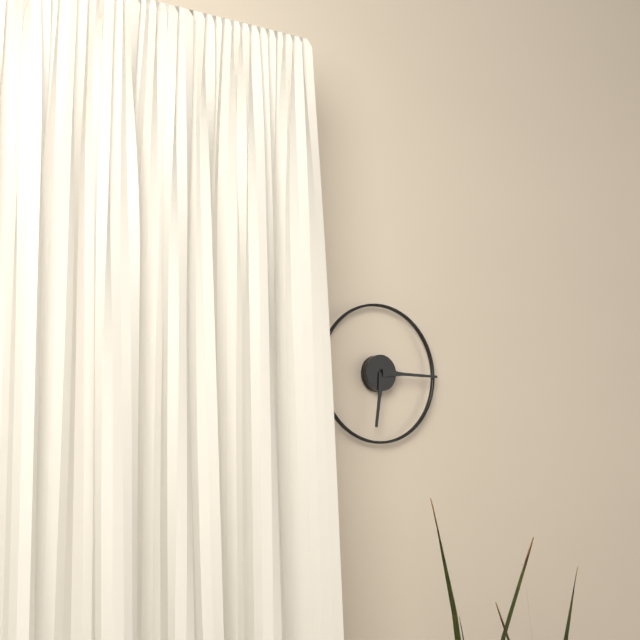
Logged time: 6,15
